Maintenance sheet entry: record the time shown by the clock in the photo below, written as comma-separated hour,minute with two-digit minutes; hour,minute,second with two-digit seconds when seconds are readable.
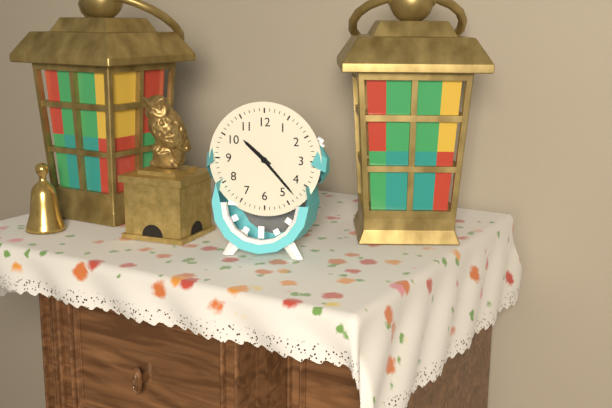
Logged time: 10,23
